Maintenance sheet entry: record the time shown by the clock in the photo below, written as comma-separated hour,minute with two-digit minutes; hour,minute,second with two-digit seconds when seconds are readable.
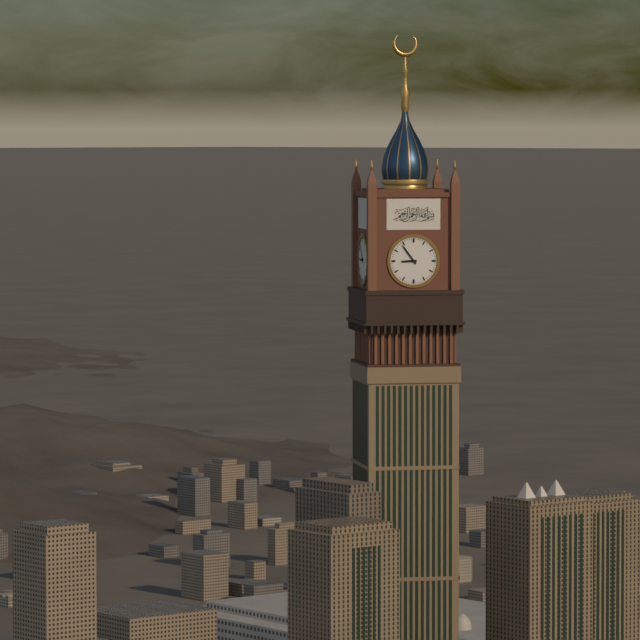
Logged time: 8,54
